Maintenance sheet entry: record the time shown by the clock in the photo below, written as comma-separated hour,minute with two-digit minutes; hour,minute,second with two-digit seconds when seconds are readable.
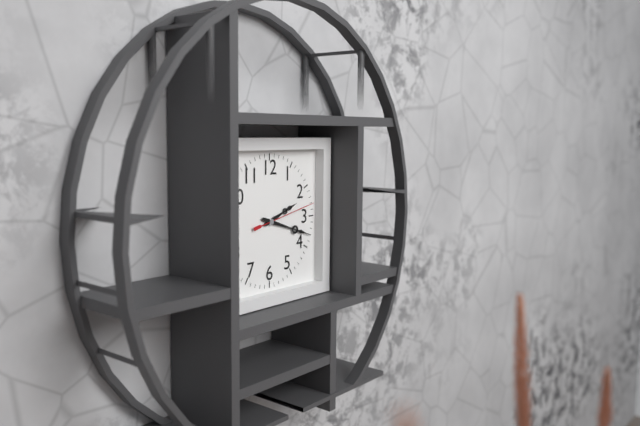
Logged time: 2,18,13
